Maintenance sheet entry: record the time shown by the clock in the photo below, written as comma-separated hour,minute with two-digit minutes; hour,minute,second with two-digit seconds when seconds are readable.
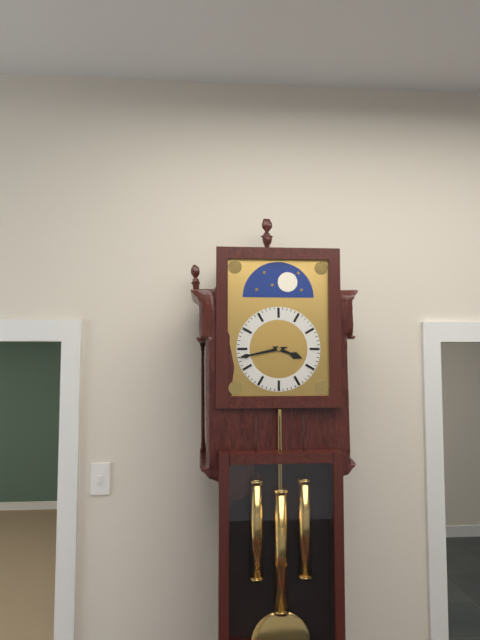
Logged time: 3,43
